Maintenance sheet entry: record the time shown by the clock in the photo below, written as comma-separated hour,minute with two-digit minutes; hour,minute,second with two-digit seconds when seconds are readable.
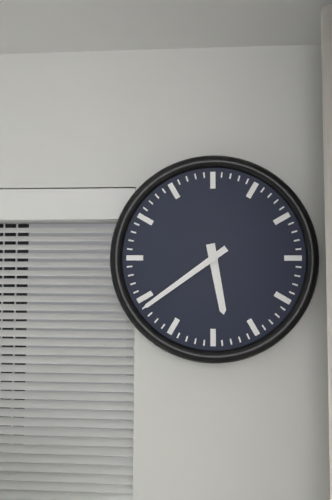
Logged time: 5,39
